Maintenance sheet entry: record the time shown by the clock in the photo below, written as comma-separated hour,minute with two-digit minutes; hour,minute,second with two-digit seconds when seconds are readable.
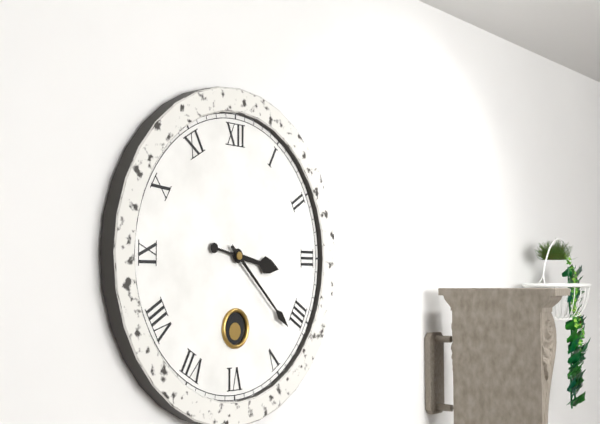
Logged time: 3,22
